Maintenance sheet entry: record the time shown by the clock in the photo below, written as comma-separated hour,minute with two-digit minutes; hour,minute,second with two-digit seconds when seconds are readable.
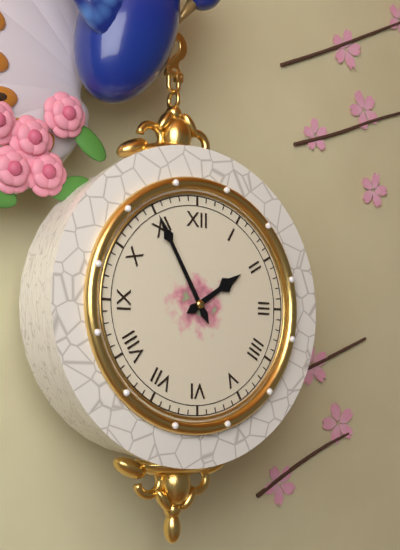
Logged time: 1,55
